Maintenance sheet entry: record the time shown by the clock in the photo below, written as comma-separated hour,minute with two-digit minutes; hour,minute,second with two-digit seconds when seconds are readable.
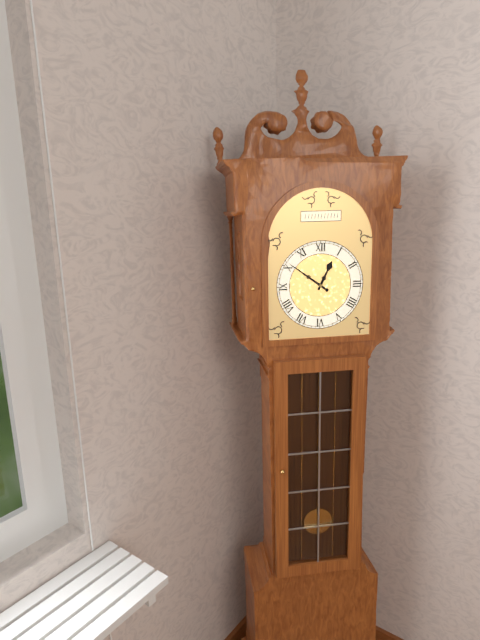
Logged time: 12,51
